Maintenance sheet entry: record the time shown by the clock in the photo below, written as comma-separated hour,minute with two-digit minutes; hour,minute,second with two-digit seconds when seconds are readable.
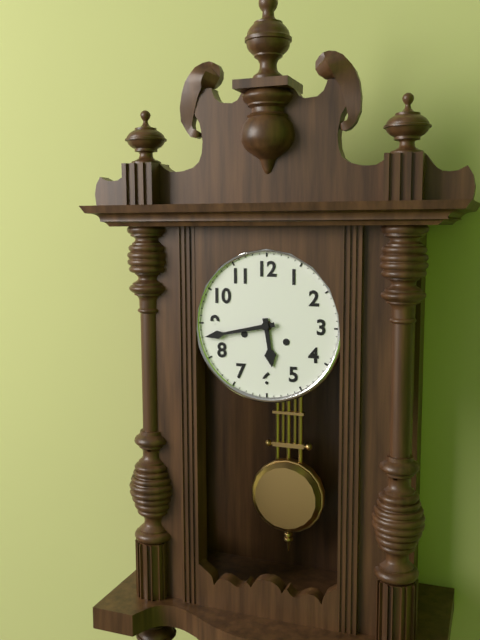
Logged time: 5,43
